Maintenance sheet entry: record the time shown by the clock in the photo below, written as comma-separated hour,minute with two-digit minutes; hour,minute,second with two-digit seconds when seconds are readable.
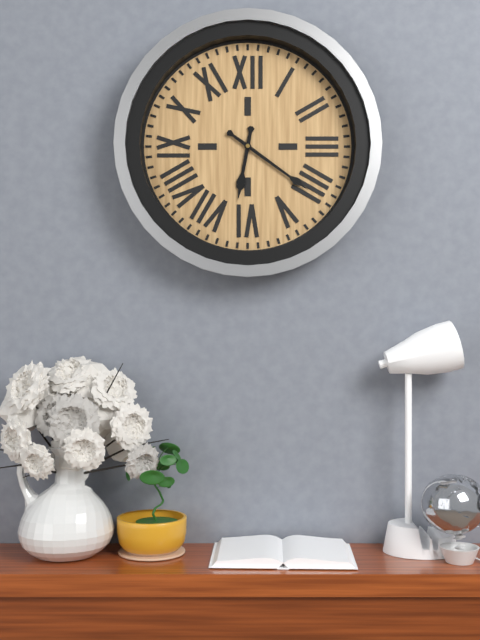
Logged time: 6,21
